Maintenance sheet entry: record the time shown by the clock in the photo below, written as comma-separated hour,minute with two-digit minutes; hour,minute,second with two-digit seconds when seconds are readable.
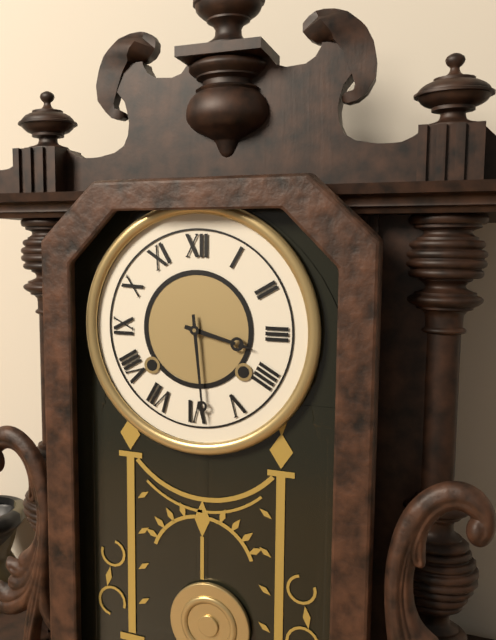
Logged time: 3,29
